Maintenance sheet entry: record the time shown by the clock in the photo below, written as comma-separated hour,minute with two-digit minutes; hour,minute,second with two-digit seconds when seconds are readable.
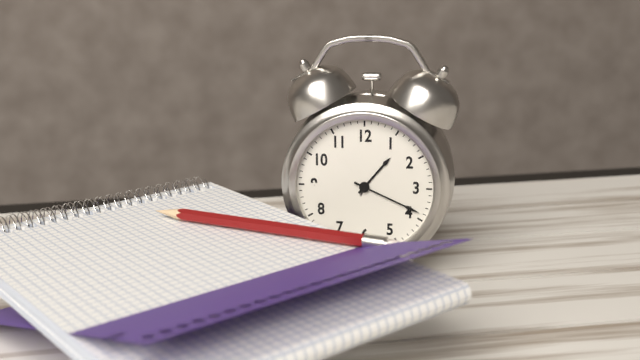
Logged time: 1,19
